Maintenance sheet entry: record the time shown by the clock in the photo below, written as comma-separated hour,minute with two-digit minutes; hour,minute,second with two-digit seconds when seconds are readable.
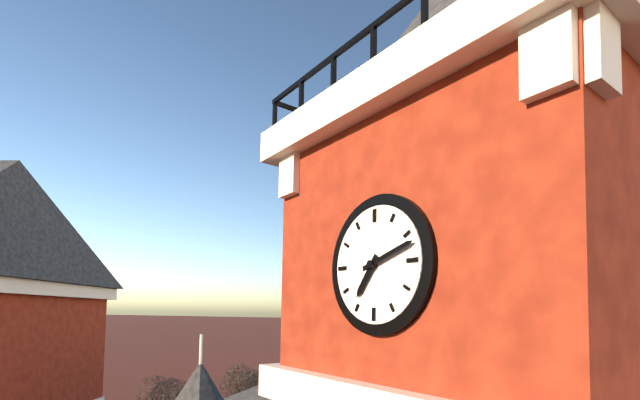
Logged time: 7,12
